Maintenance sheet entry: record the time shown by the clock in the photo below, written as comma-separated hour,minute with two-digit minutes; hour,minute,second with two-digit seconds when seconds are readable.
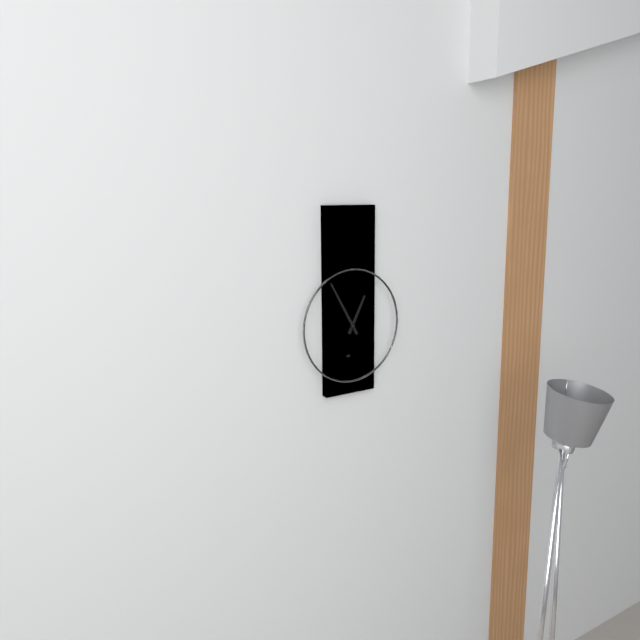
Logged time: 12,55
